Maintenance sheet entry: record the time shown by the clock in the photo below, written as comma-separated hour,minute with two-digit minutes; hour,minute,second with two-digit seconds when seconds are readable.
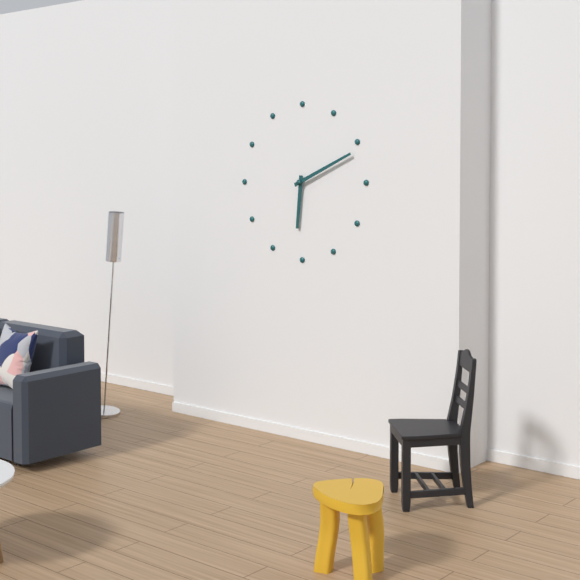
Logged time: 6,11
